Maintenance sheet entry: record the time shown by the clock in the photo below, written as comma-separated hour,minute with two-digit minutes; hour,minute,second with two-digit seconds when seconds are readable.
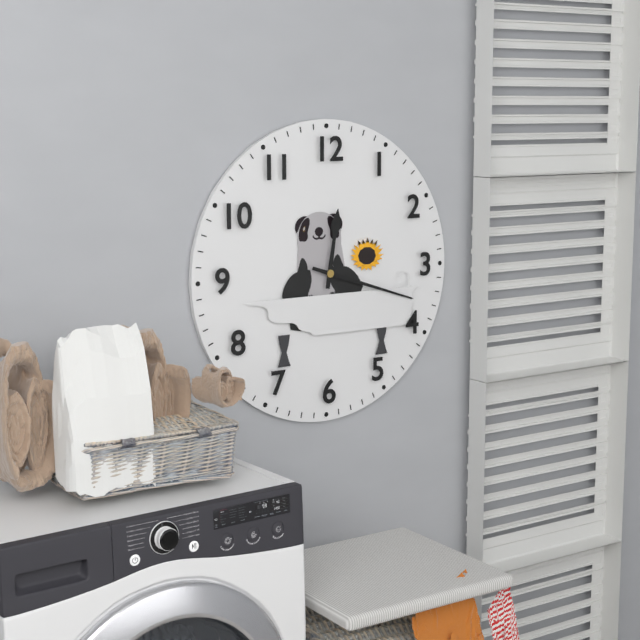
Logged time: 12,18
